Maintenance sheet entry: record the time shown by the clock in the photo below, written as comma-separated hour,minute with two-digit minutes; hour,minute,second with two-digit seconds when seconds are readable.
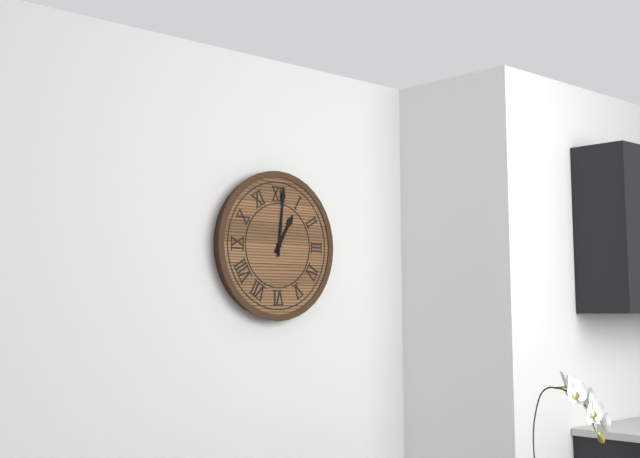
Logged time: 1,01
